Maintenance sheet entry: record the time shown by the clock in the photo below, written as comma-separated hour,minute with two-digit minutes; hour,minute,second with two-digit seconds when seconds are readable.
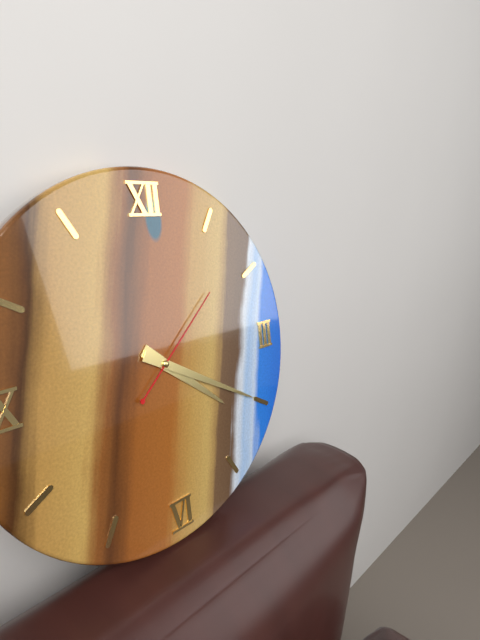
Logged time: 4,20,08
